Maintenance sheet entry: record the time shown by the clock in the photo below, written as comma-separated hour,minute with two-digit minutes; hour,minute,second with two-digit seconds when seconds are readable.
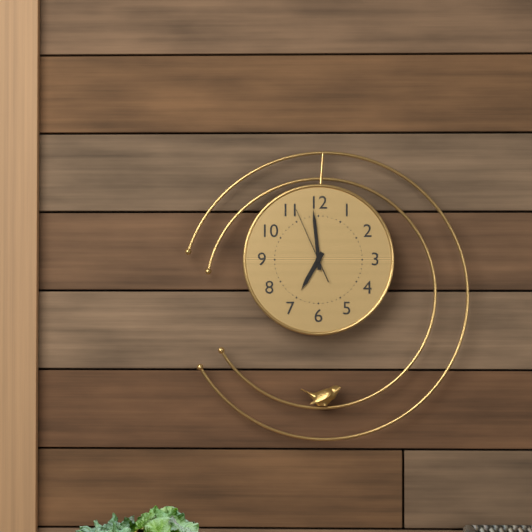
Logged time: 6,59,56
